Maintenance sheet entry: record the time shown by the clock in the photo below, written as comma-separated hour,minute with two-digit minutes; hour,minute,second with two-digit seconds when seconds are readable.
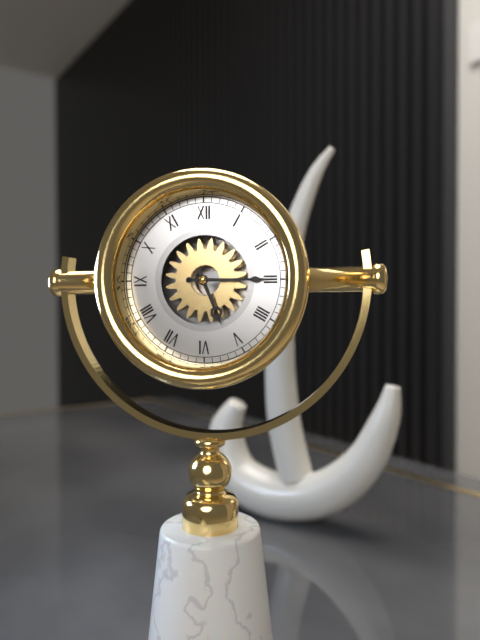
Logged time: 5,15
